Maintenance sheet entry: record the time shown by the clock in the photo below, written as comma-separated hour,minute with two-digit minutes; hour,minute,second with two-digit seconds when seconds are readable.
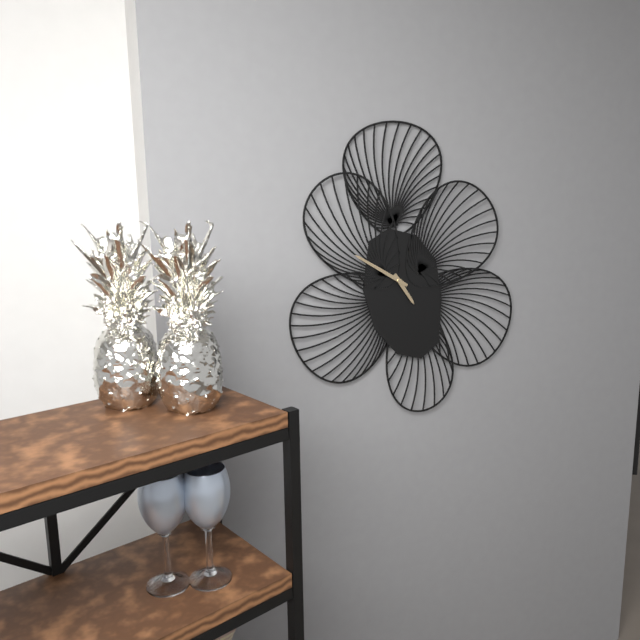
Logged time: 4,50
